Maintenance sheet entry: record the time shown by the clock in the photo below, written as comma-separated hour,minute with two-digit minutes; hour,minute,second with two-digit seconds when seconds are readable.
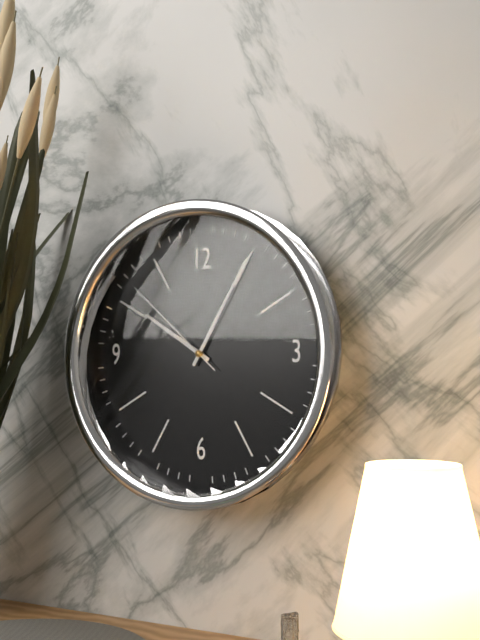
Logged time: 10,05,52
